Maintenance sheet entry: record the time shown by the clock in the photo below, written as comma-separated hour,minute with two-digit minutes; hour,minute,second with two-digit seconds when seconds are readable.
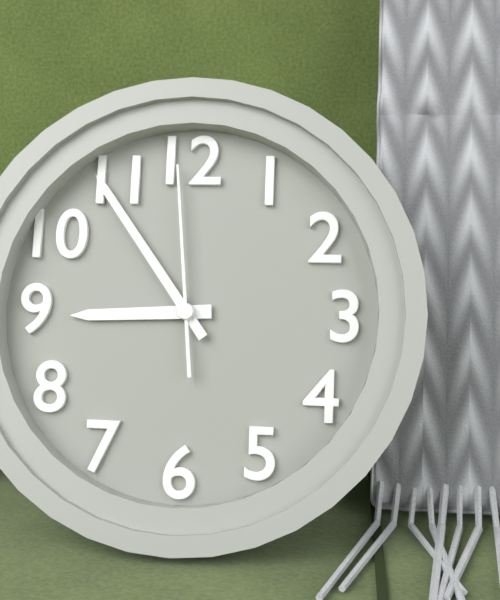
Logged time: 8,54,59
